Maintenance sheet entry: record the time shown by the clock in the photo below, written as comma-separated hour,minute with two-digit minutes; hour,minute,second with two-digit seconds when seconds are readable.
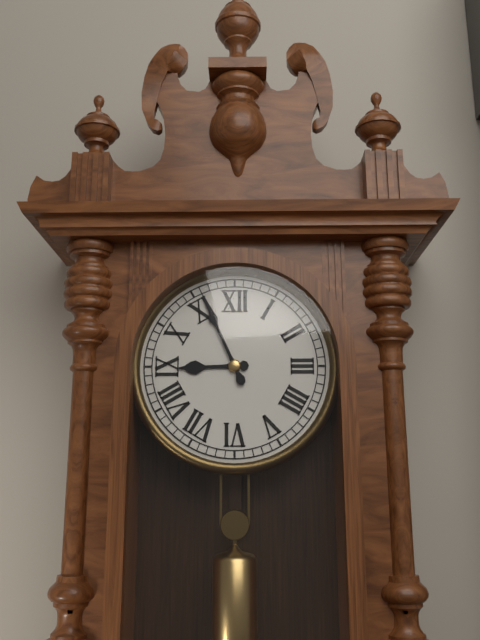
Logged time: 8,56
